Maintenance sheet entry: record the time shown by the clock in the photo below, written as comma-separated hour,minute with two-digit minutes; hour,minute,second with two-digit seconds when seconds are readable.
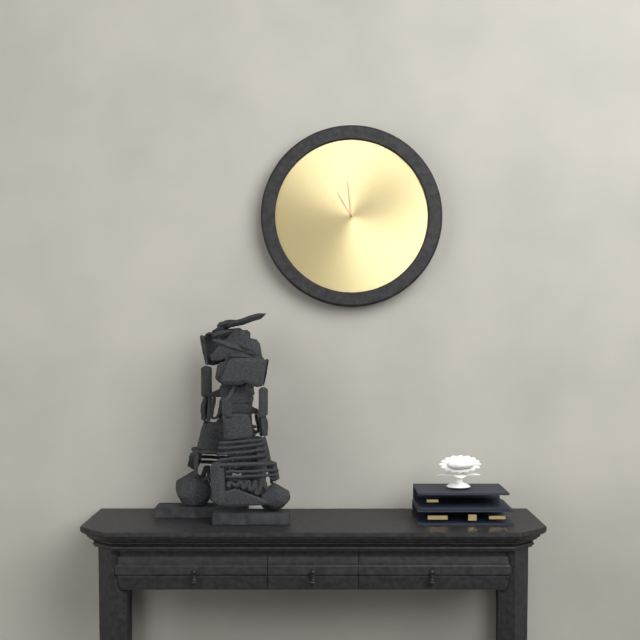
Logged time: 10,59
